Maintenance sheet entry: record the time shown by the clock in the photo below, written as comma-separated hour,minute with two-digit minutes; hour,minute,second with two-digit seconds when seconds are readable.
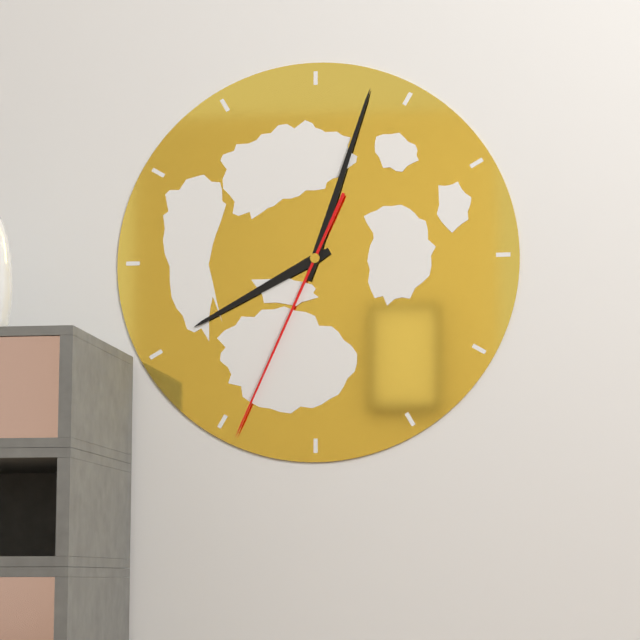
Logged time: 8,03,34
